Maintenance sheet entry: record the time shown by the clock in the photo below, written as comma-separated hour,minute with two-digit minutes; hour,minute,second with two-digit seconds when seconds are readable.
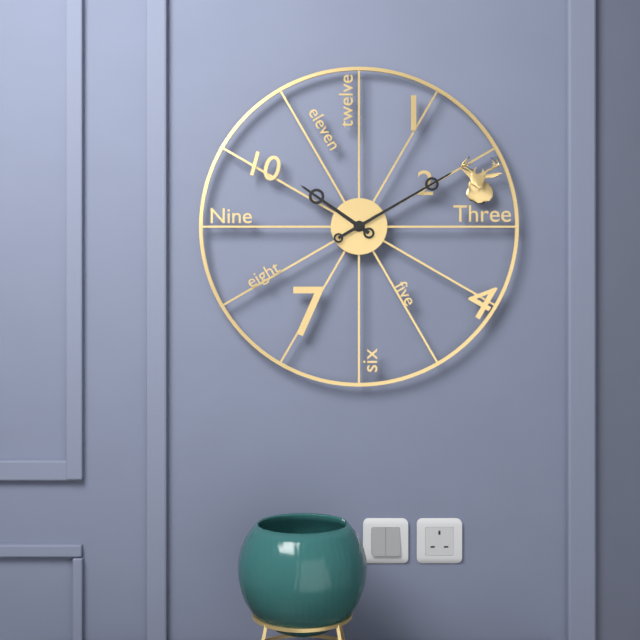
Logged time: 10,10
